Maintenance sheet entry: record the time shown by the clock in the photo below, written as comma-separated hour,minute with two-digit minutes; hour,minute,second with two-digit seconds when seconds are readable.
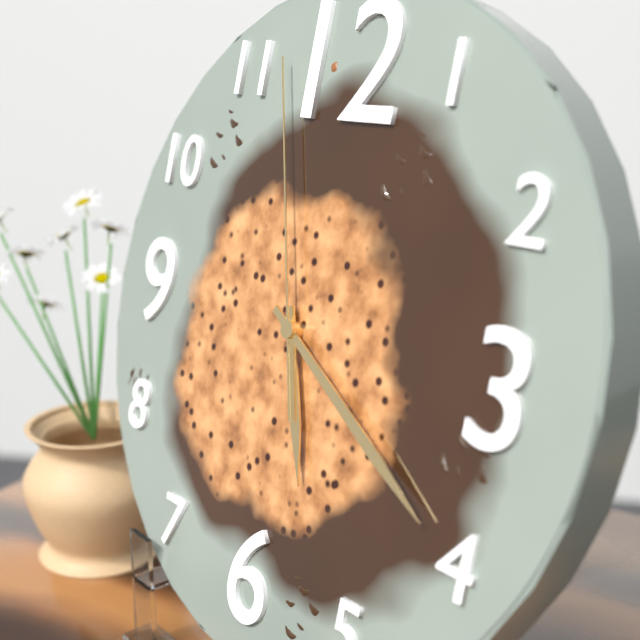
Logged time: 5,20,57
